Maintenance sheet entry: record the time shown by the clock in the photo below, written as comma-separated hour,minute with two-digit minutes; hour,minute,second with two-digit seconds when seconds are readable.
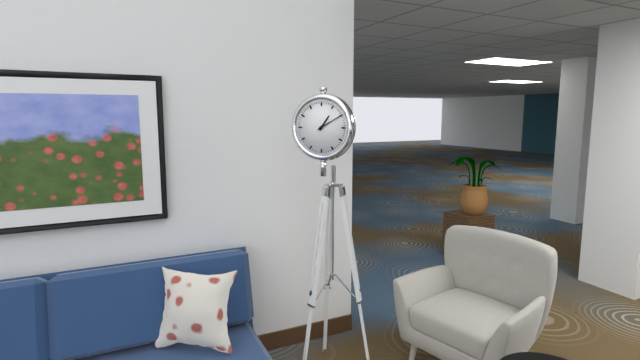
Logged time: 1,10
